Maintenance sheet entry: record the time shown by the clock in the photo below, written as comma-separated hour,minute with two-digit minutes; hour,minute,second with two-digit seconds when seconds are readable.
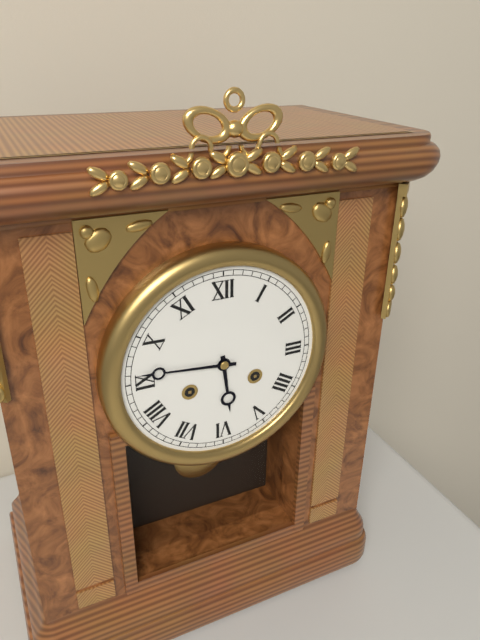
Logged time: 5,46
